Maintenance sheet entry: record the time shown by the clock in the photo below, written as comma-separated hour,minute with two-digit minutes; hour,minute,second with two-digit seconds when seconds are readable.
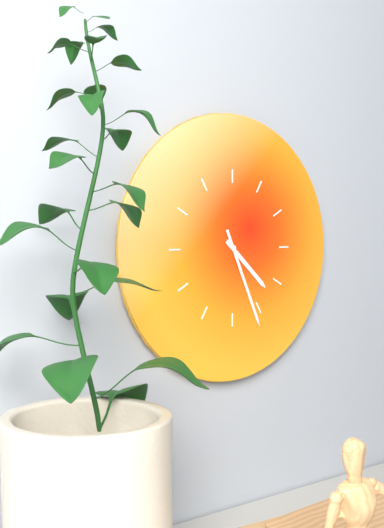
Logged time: 4,26
